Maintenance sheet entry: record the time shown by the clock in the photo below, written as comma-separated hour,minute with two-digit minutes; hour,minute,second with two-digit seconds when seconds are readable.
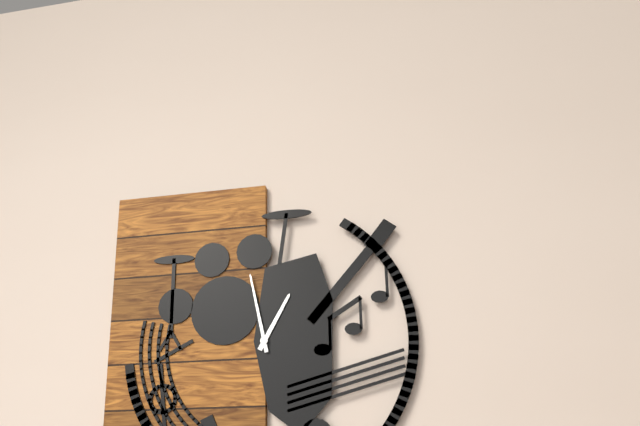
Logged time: 12,58
